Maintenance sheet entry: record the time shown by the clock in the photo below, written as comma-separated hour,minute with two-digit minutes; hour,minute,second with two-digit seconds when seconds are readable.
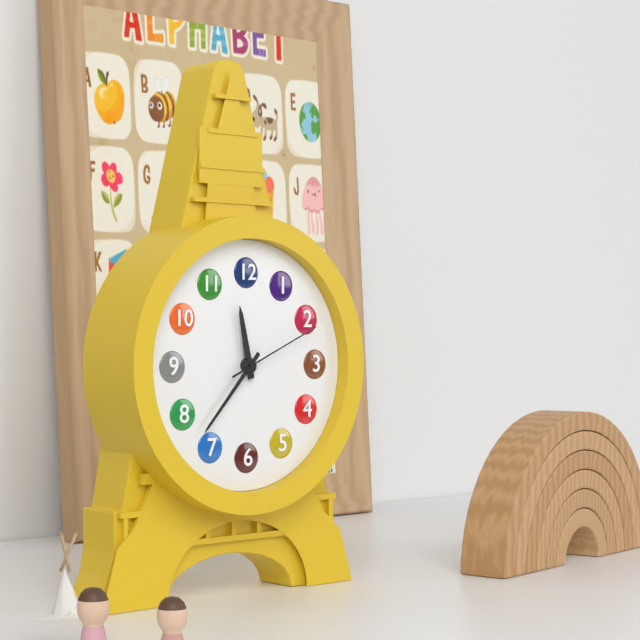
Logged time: 11,37,11
